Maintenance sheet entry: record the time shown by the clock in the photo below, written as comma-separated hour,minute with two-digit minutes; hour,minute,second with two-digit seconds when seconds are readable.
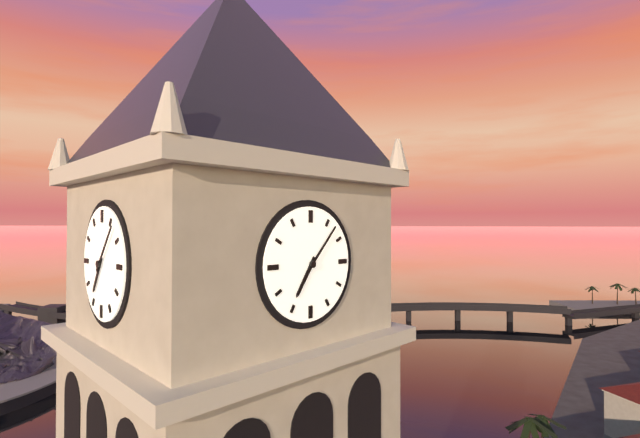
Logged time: 7,07
